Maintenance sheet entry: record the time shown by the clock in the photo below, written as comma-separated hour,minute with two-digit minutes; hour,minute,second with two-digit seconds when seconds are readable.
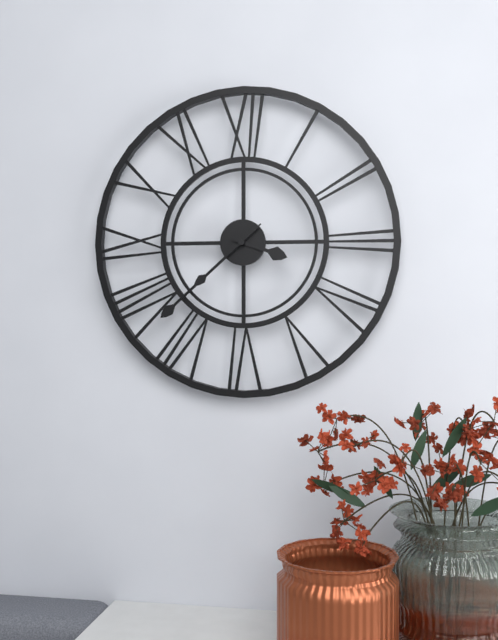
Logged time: 3,38,38
